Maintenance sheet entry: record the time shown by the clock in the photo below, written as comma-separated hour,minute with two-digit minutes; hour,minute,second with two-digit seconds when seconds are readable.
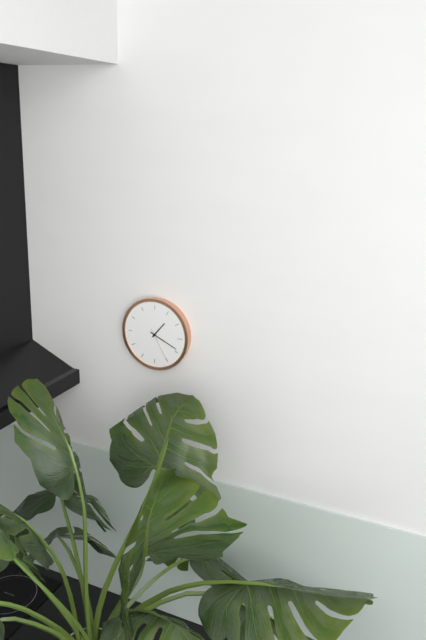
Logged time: 1,19
